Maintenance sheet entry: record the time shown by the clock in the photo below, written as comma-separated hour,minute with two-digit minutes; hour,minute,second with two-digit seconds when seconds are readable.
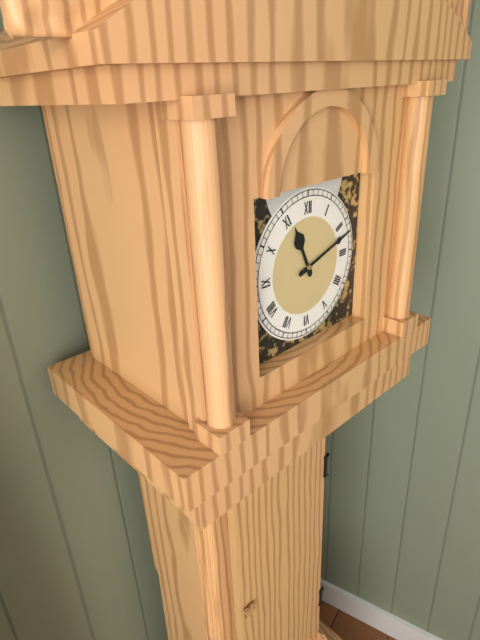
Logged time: 11,12
